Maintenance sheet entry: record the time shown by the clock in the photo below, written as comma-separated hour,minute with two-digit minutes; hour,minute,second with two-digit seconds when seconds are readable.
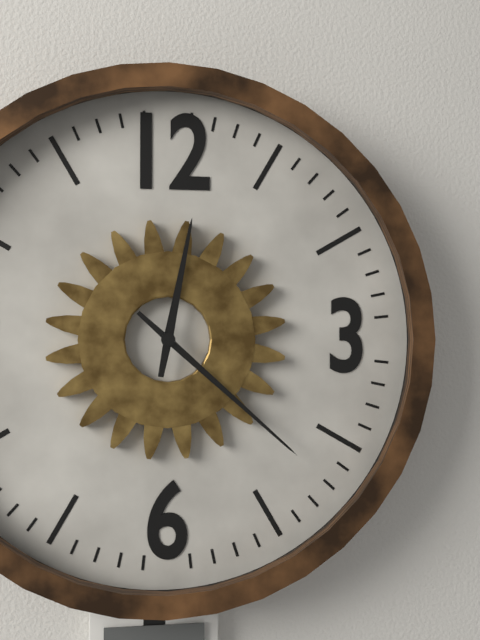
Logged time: 12,22
